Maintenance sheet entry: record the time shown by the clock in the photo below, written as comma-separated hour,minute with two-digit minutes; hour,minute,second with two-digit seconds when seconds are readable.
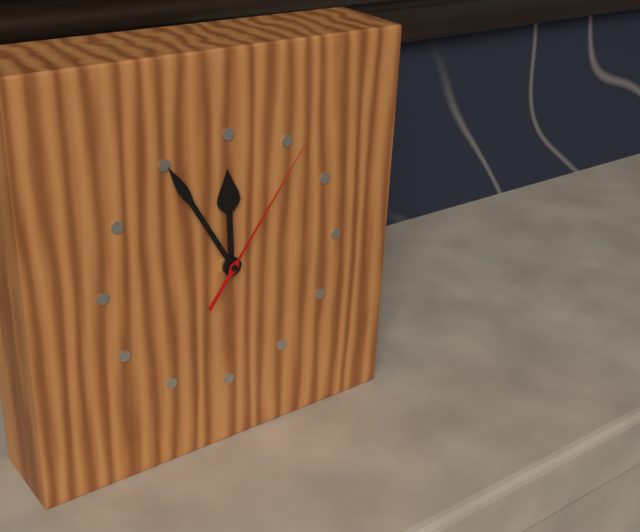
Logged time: 11,55,06
